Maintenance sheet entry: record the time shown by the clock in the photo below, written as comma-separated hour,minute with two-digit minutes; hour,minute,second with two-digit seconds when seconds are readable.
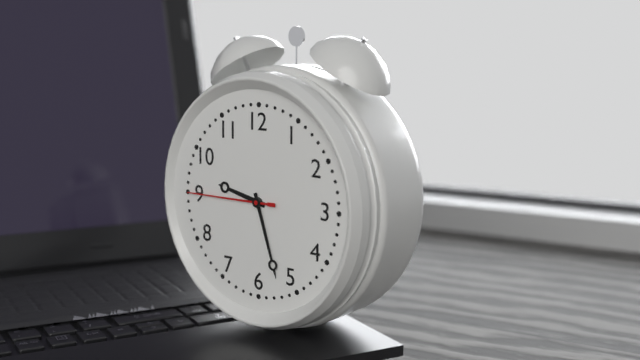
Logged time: 9,27,45
